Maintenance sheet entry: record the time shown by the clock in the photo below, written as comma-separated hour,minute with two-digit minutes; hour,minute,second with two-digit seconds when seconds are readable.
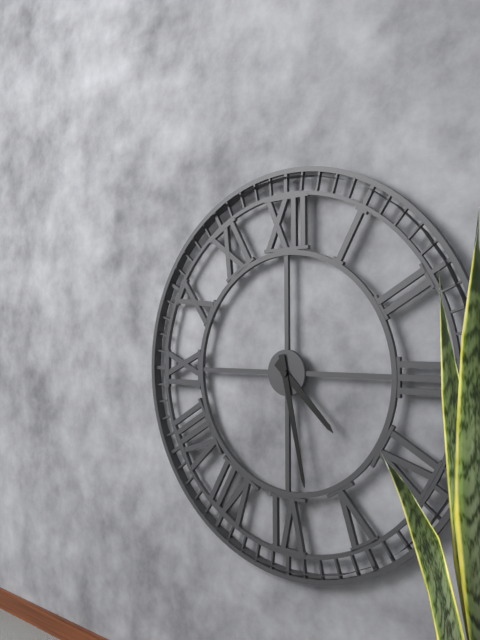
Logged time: 4,28
